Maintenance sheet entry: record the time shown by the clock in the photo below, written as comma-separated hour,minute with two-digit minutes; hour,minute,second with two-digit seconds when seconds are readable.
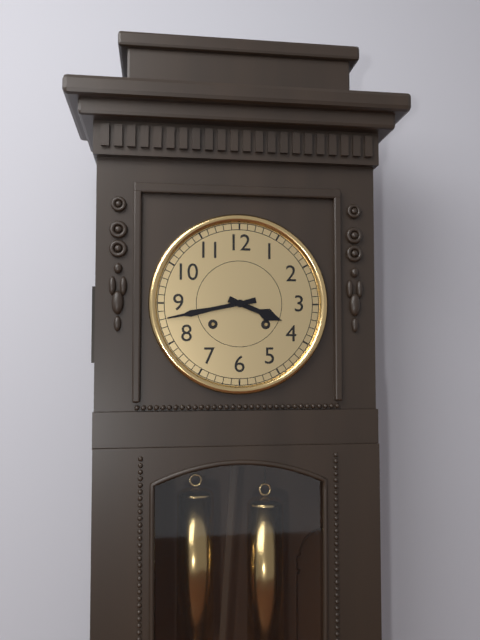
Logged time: 3,43
